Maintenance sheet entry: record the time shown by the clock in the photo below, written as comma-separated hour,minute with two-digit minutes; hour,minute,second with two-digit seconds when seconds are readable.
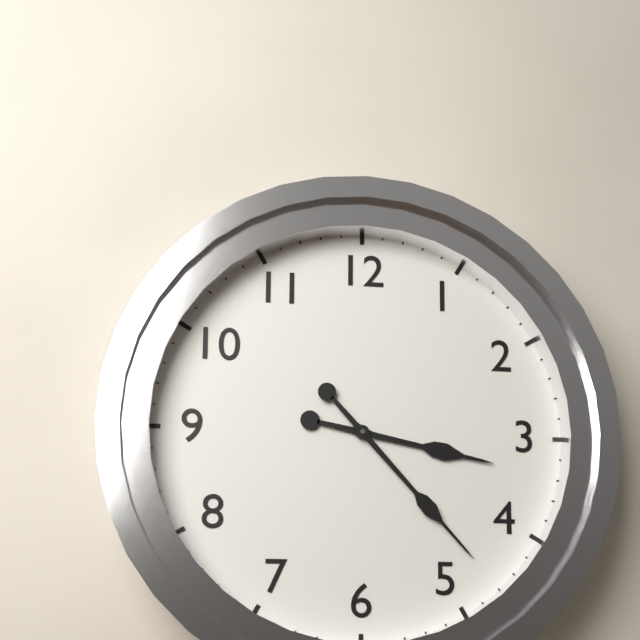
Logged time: 3,23
